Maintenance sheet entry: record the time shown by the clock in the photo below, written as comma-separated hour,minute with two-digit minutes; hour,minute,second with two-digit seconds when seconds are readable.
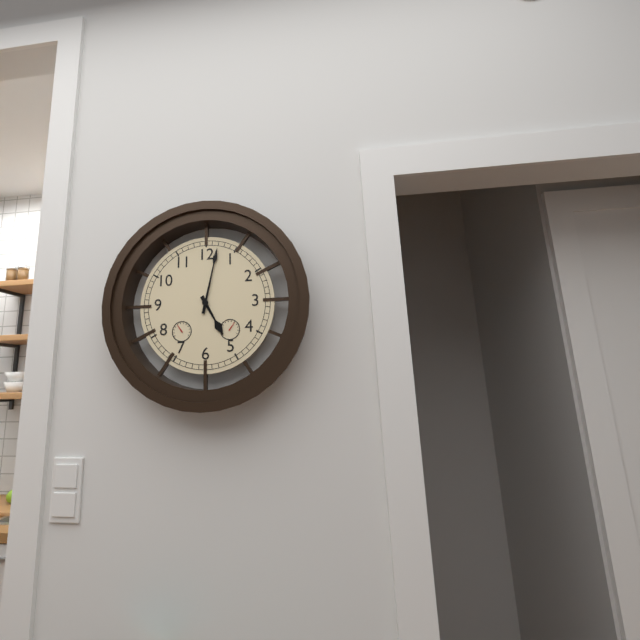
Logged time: 5,02
